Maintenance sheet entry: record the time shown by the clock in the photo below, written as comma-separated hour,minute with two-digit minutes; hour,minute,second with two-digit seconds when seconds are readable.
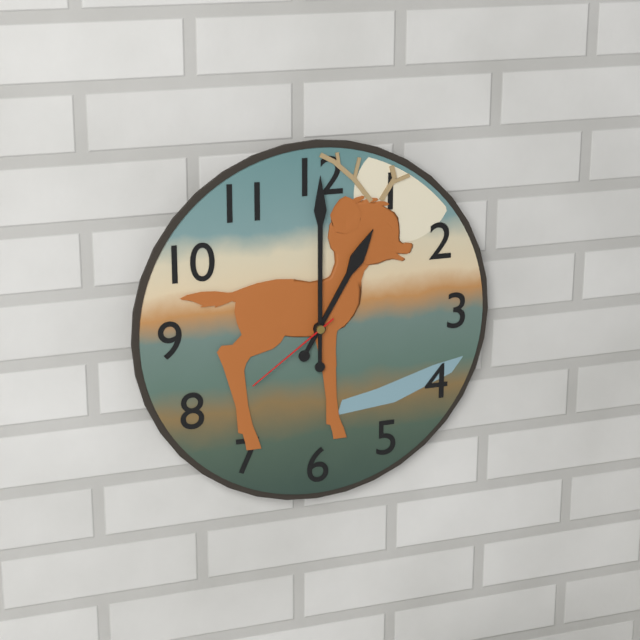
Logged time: 1,00,39
